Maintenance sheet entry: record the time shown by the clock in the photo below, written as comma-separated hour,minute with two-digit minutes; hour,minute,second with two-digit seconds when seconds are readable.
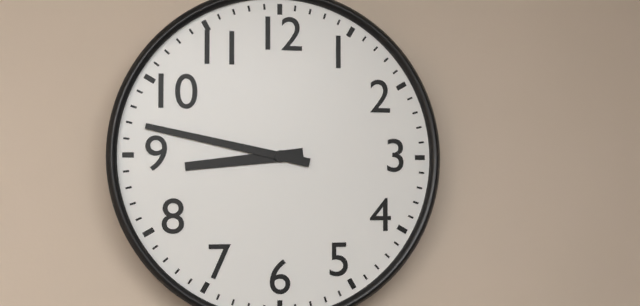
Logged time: 8,47
